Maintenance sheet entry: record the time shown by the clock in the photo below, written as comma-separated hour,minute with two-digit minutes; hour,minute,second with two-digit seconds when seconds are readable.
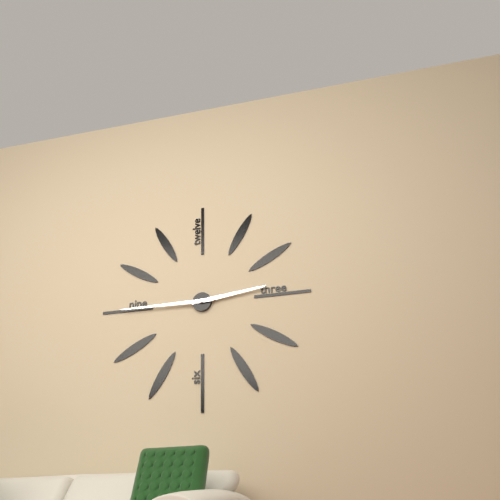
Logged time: 2,45
